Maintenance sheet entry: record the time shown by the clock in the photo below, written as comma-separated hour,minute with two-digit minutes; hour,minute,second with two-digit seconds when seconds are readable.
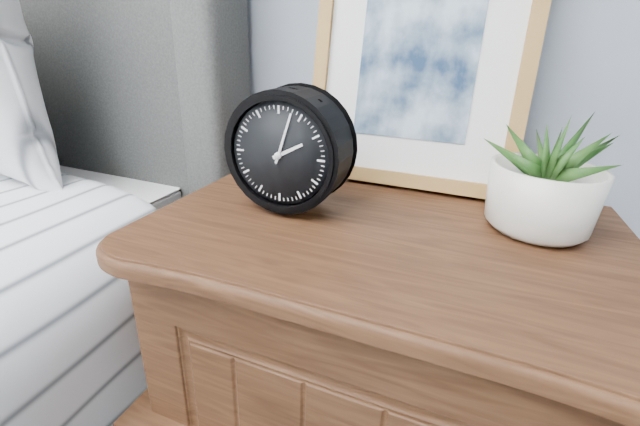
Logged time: 2,03
